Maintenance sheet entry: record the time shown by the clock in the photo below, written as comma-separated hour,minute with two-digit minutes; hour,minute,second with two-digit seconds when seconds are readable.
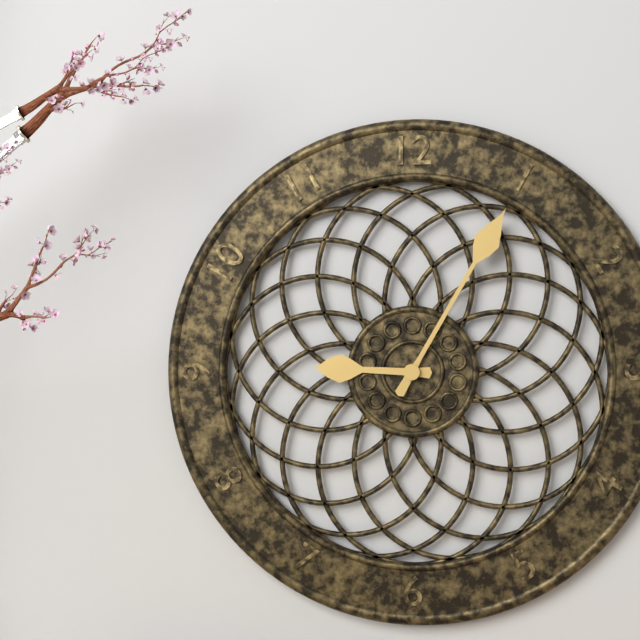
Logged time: 9,05
